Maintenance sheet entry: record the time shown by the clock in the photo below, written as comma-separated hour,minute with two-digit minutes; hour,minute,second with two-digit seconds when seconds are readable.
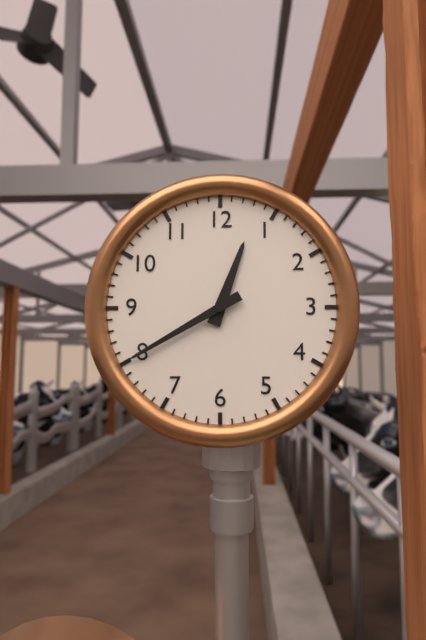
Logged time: 12,40
